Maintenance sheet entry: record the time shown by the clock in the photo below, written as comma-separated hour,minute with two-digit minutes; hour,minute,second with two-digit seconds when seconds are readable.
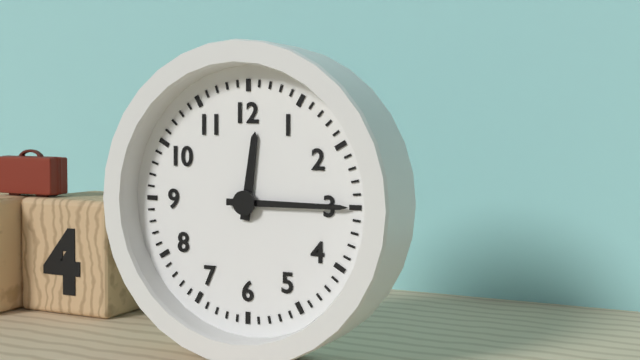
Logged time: 12,15
